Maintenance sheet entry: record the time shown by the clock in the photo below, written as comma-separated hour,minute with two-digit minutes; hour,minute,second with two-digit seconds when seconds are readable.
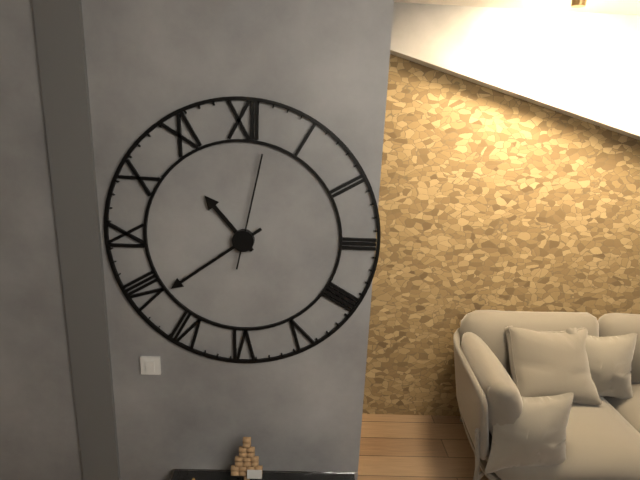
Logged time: 10,39,02
